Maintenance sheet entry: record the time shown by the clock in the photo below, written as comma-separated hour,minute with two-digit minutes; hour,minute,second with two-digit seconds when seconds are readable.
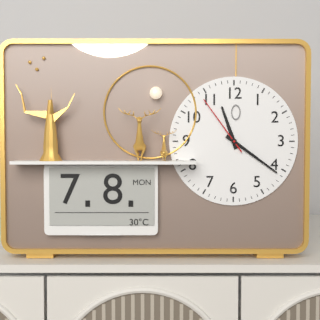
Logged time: 11,21,54
